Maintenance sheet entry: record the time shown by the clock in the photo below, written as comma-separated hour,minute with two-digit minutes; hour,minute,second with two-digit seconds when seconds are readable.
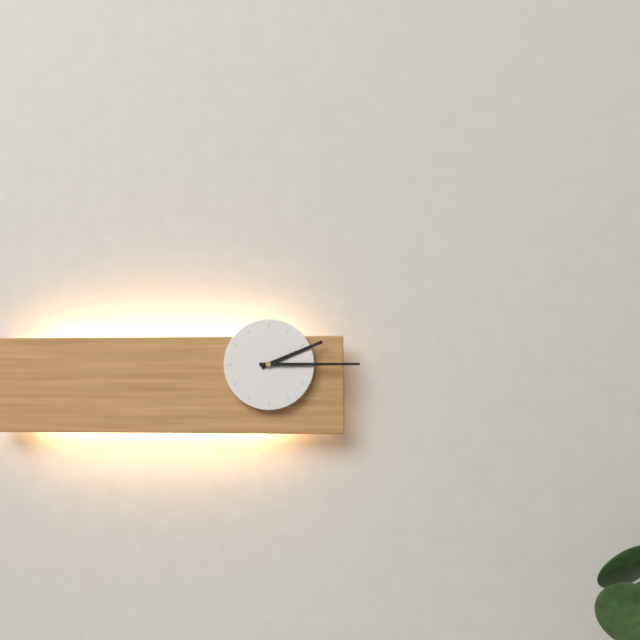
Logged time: 2,15
